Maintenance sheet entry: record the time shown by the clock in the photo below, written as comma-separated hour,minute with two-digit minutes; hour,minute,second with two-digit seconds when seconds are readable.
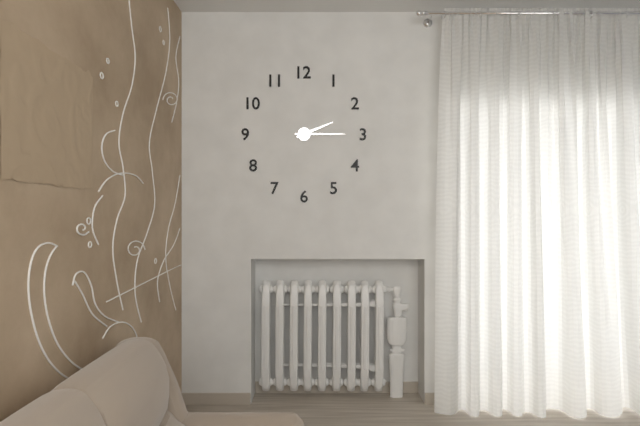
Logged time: 2,15
